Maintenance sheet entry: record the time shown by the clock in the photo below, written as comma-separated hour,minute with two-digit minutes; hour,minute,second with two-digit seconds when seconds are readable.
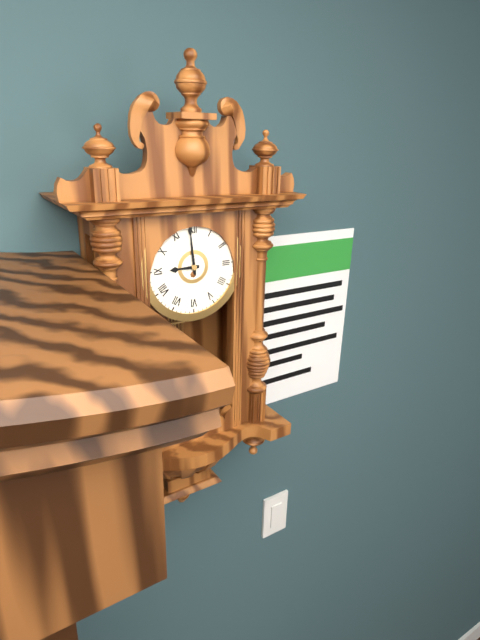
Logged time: 8,59
